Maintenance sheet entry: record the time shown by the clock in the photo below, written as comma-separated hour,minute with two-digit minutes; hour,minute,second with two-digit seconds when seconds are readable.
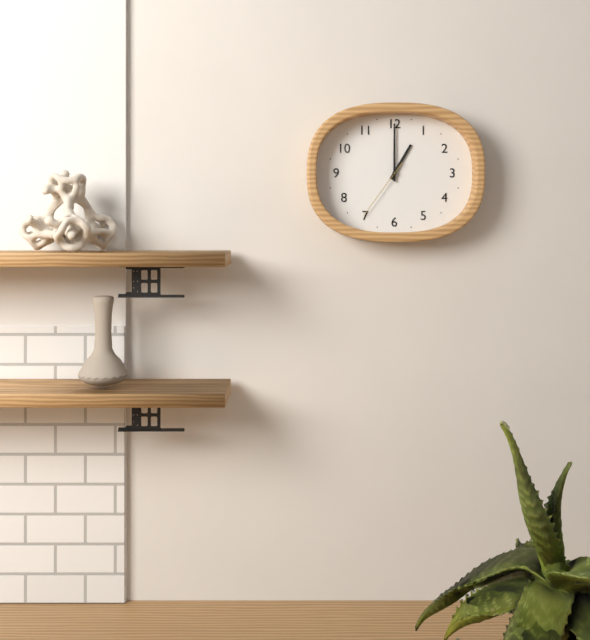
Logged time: 1,00,36
